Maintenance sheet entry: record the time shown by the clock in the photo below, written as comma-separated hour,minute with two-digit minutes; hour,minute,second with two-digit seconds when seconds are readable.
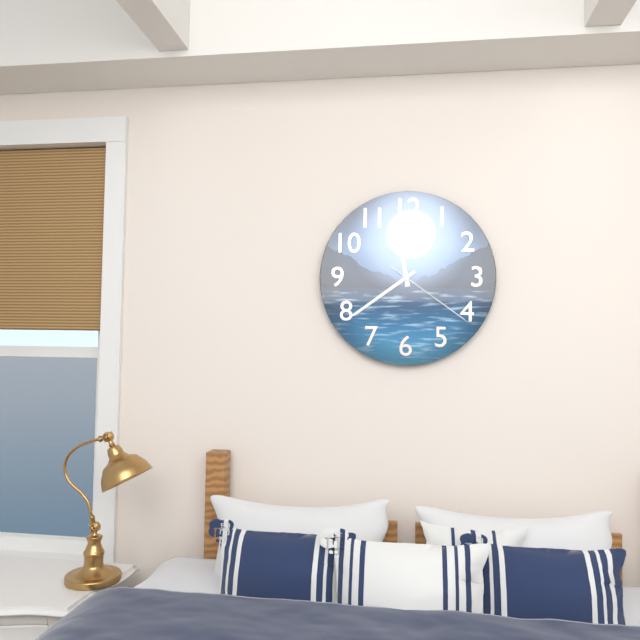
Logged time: 11,39,21
